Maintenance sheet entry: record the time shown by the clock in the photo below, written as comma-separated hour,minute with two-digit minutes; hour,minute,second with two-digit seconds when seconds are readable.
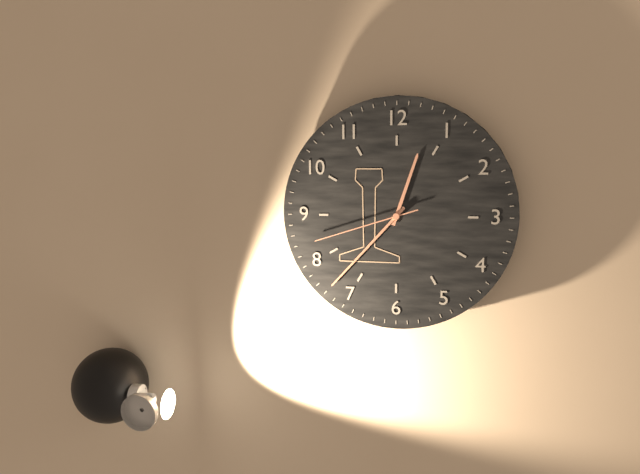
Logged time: 12,37,42
